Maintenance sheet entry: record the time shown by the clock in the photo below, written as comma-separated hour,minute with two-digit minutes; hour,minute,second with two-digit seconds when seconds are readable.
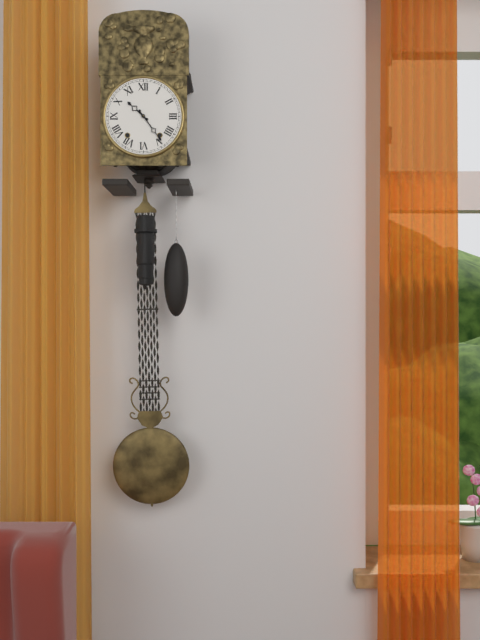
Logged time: 10,24
